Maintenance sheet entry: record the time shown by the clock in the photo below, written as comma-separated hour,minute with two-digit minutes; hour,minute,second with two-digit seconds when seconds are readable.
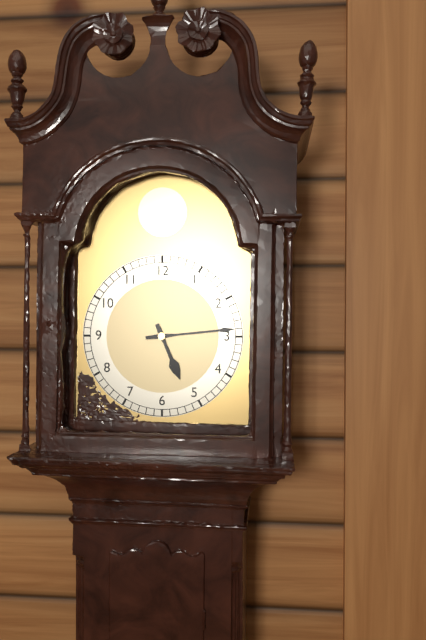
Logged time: 5,14
